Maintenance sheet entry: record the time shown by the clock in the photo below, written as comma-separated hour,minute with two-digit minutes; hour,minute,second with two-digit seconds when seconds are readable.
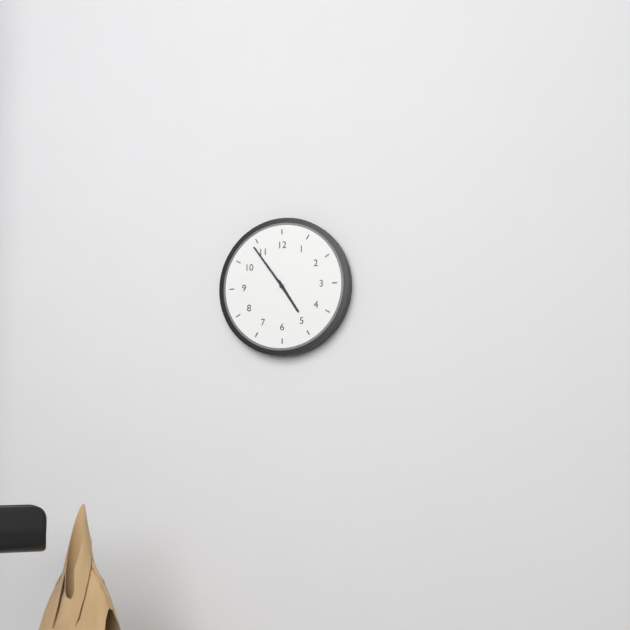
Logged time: 4,54
